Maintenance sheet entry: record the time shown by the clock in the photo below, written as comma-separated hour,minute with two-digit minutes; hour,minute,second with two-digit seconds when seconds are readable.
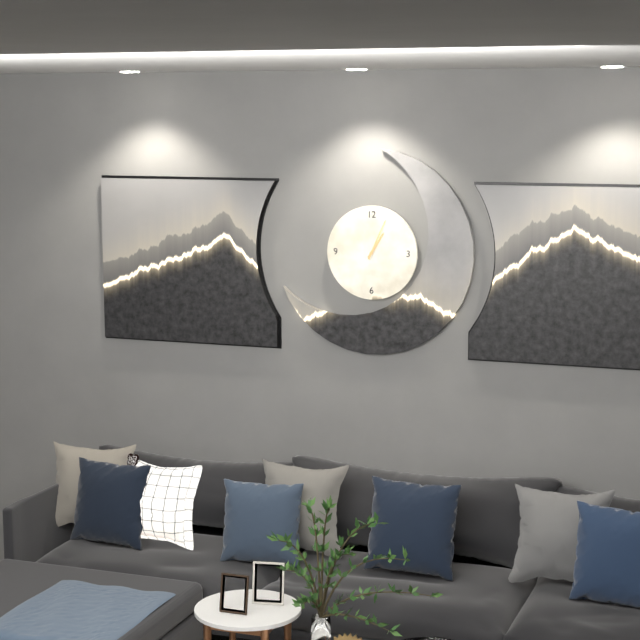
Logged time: 1,04
